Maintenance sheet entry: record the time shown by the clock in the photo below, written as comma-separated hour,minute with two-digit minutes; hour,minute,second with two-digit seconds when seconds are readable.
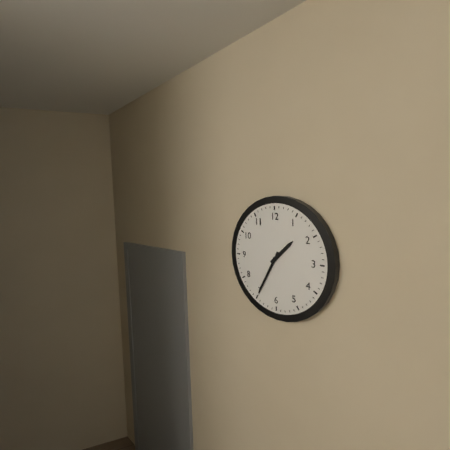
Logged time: 1,35
